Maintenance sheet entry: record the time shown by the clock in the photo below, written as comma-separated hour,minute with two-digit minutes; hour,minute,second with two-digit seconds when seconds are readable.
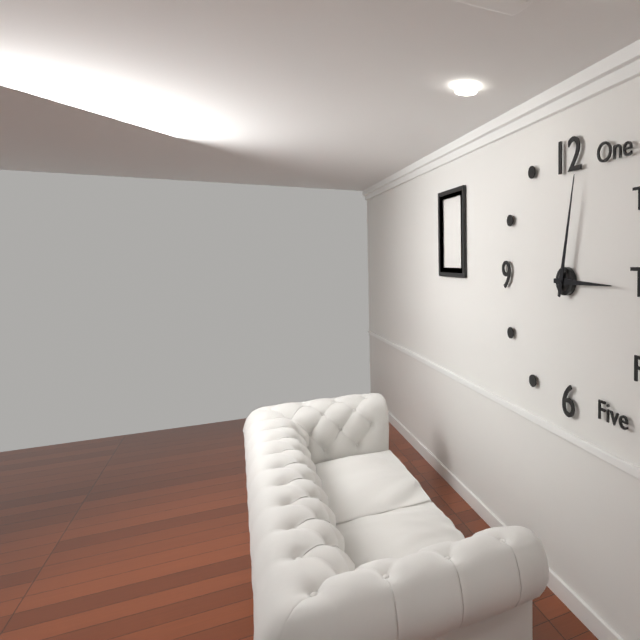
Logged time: 3,02
